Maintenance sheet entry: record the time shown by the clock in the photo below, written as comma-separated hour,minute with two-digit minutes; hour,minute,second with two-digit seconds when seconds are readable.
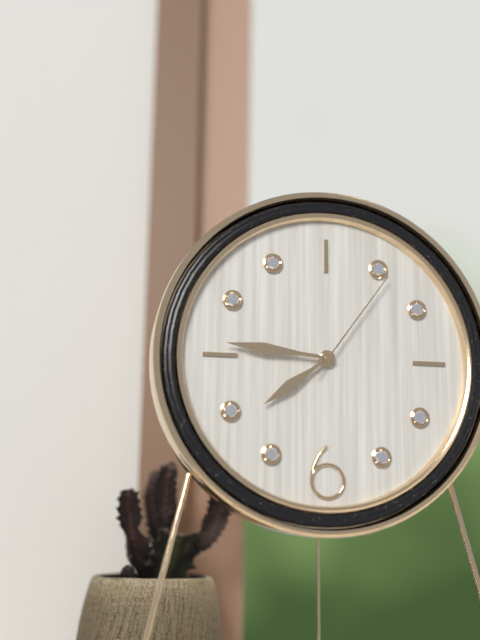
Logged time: 7,46,06
